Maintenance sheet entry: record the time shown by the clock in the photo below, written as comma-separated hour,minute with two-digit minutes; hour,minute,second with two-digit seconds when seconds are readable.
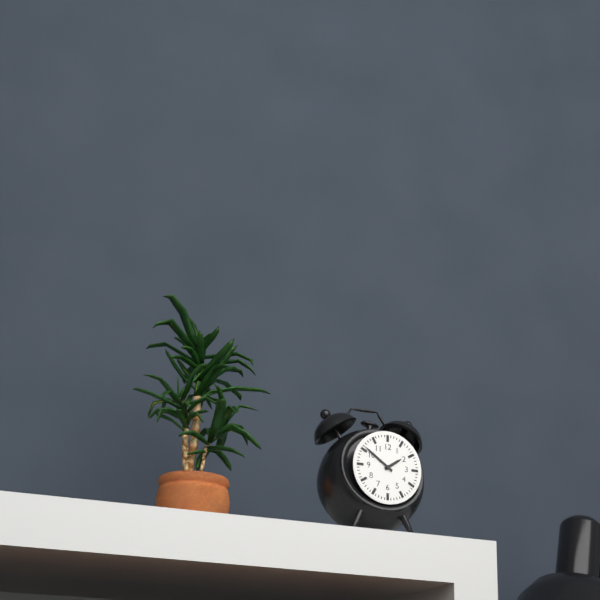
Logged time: 1,51
